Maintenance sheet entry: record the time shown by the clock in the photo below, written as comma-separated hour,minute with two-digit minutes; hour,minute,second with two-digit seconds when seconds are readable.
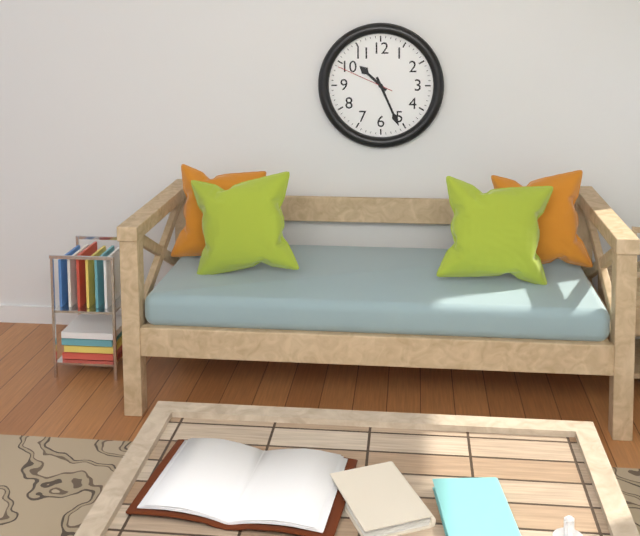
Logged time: 10,26,49
